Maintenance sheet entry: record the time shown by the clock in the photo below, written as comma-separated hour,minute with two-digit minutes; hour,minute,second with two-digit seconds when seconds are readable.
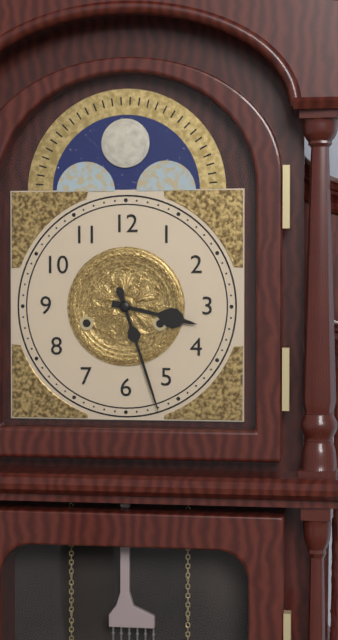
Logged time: 3,27
